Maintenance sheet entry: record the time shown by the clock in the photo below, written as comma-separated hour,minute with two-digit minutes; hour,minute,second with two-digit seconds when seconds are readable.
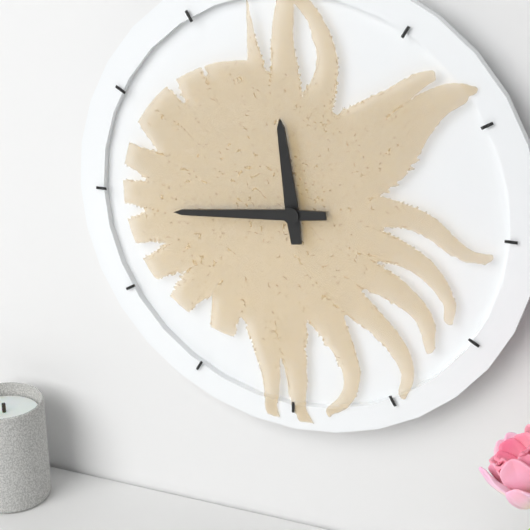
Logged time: 11,44
